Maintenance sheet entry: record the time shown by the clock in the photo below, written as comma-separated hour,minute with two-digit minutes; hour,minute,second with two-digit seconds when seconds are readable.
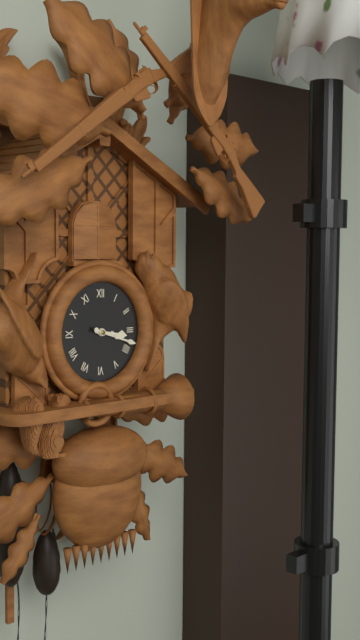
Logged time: 3,18
